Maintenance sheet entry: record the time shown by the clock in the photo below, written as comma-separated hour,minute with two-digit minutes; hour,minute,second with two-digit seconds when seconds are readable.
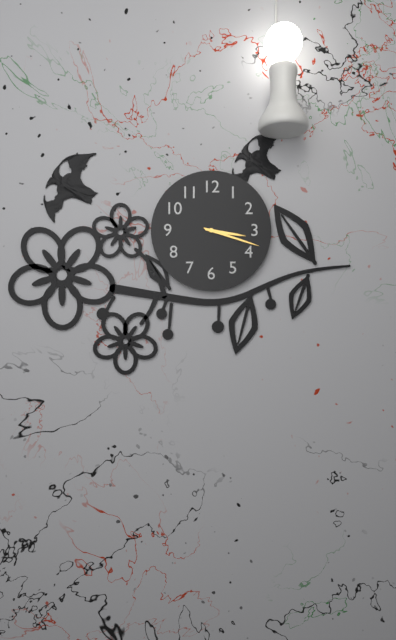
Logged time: 3,18
